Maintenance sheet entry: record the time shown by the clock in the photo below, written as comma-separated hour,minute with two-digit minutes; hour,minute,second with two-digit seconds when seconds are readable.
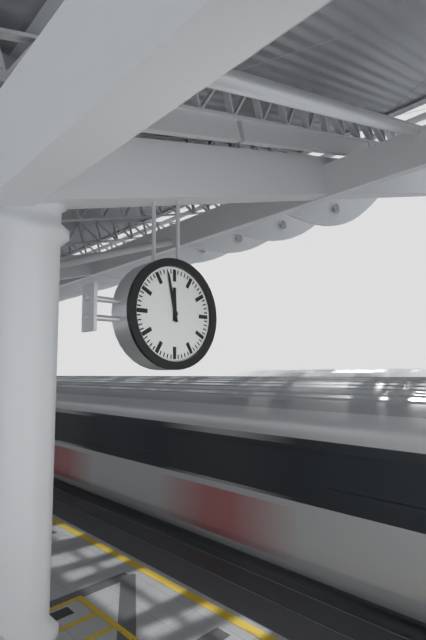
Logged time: 11,58
